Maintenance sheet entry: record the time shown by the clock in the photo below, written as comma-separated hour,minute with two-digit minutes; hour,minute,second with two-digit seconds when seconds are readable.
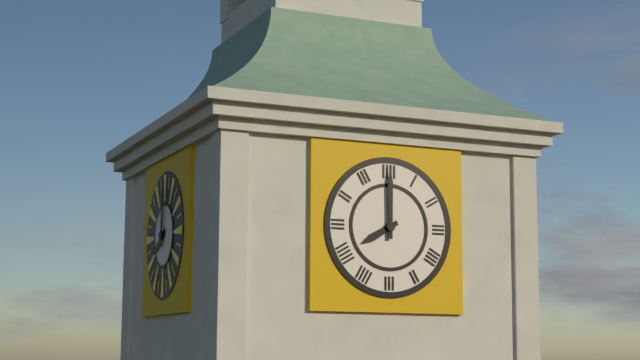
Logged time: 8,00
